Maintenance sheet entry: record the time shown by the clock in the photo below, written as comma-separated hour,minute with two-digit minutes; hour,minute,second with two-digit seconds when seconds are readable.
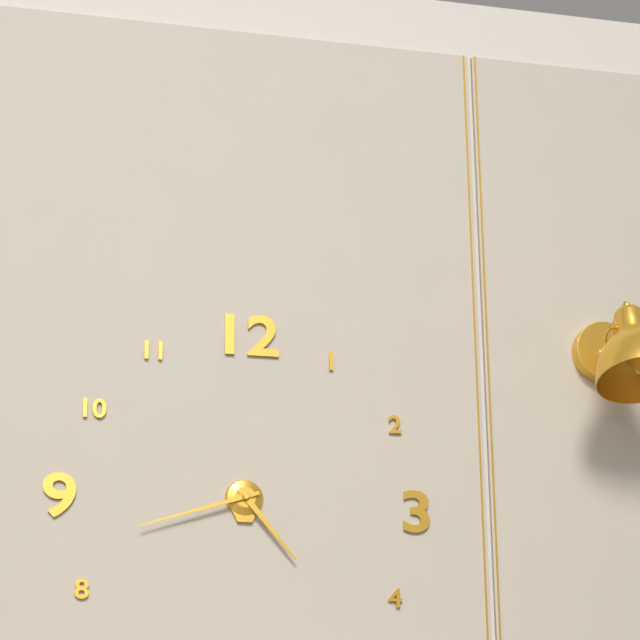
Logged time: 4,42
